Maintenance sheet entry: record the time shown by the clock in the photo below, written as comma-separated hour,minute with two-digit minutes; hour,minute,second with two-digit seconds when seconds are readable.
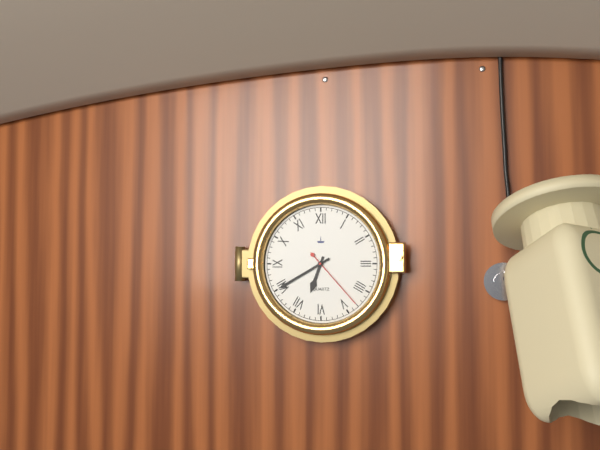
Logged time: 6,40,23
